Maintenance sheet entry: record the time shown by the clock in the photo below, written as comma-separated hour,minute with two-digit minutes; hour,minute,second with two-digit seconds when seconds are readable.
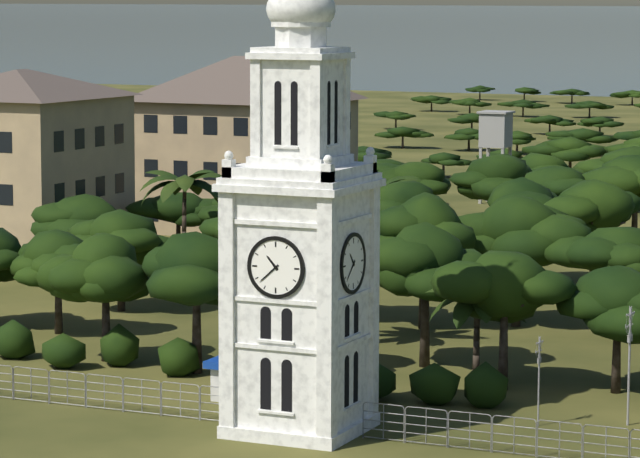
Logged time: 10,38
